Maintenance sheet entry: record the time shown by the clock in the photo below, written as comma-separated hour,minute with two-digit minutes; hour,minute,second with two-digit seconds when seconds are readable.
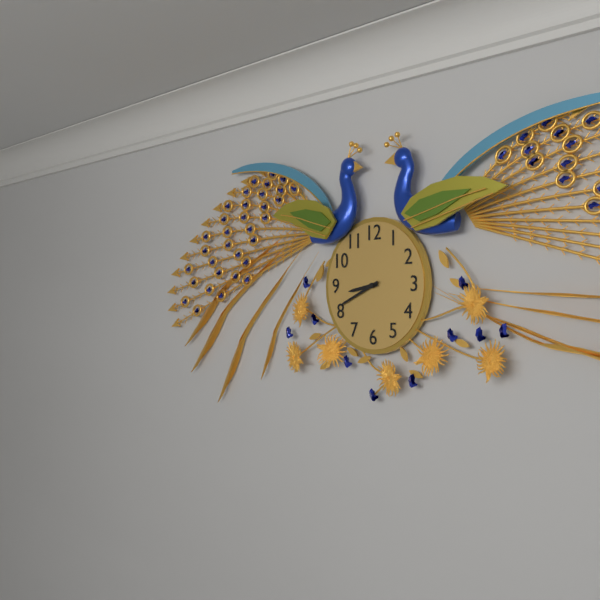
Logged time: 8,41
